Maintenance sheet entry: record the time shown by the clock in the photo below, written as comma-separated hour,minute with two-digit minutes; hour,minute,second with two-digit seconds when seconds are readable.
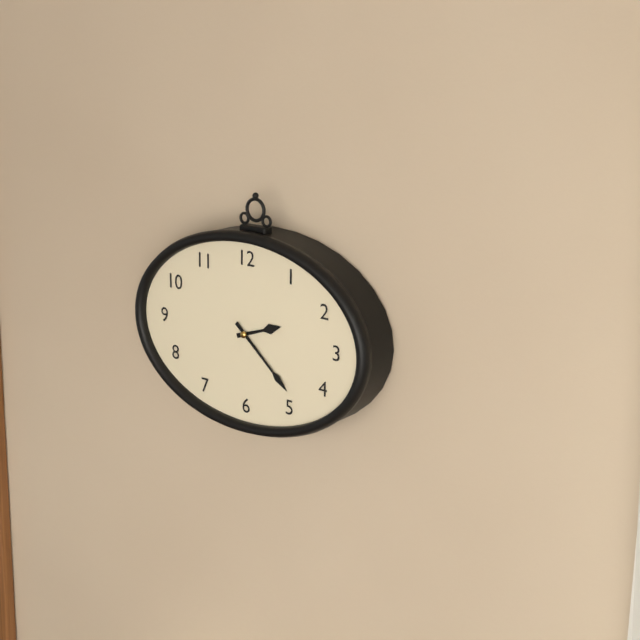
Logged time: 2,22
